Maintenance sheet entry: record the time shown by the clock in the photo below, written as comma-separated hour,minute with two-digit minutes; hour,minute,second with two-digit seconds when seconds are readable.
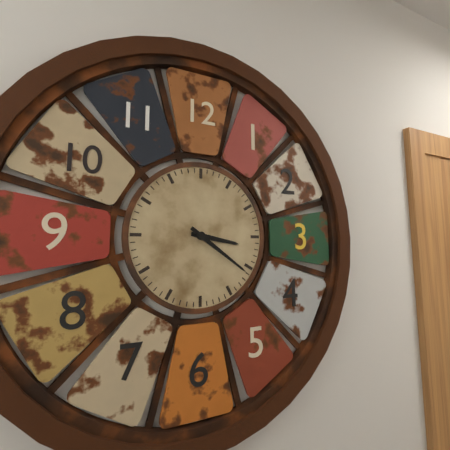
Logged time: 3,21
